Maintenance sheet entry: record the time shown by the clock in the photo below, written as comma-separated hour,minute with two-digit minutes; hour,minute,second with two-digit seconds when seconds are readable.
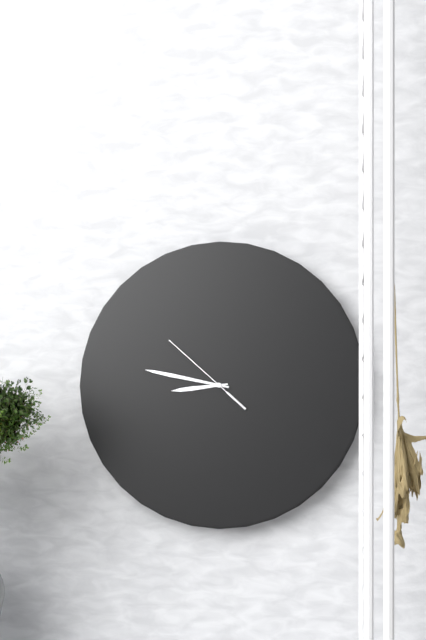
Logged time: 8,47,52
